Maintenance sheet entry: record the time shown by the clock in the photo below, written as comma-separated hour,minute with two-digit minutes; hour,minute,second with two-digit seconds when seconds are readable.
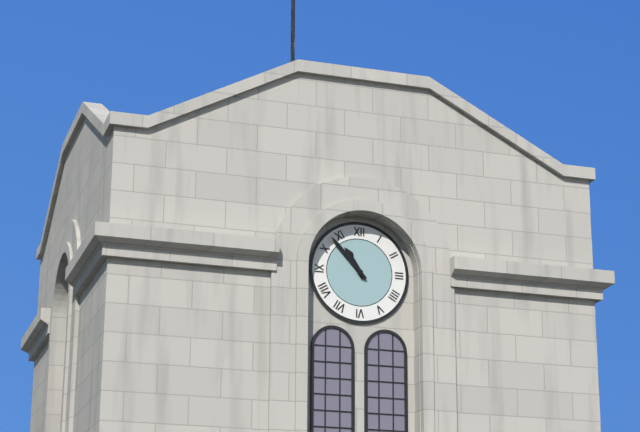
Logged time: 10,53
